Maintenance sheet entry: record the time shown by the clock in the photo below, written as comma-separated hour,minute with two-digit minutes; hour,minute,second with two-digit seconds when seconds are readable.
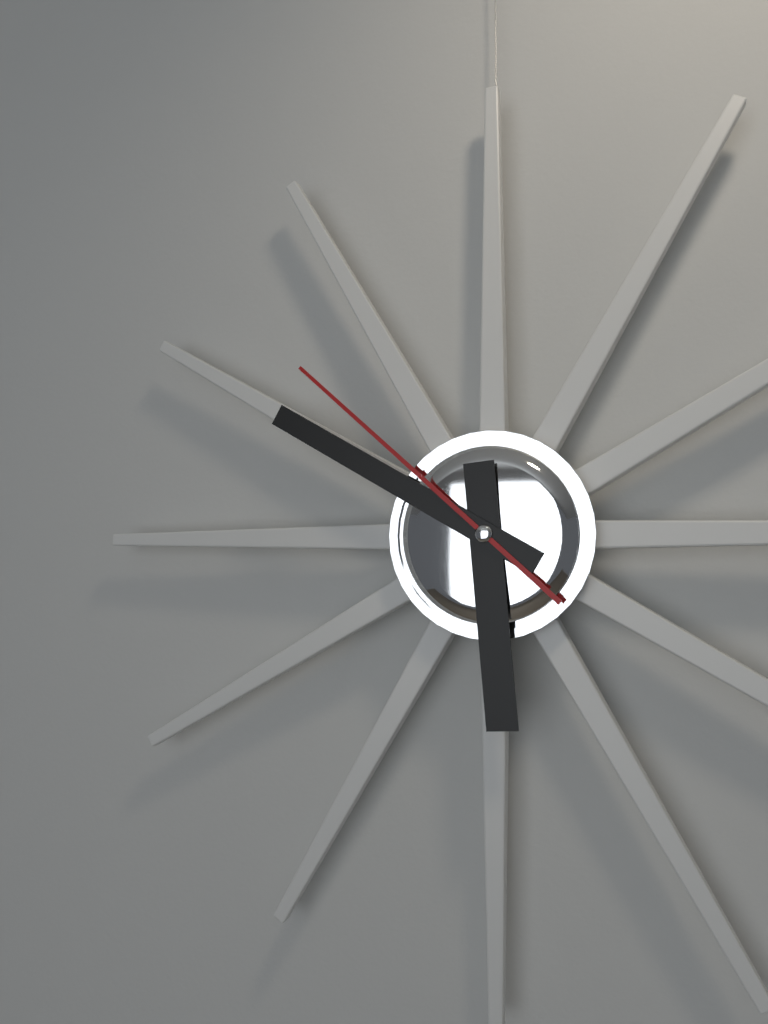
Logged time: 5,50,52
